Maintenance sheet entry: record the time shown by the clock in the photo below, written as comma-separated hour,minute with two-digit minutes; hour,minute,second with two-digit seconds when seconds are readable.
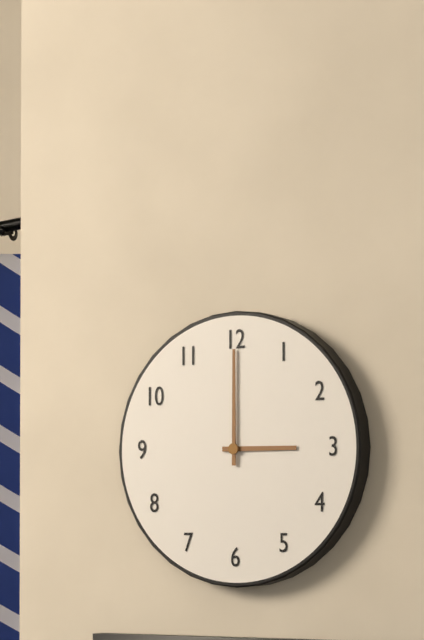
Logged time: 3,00
